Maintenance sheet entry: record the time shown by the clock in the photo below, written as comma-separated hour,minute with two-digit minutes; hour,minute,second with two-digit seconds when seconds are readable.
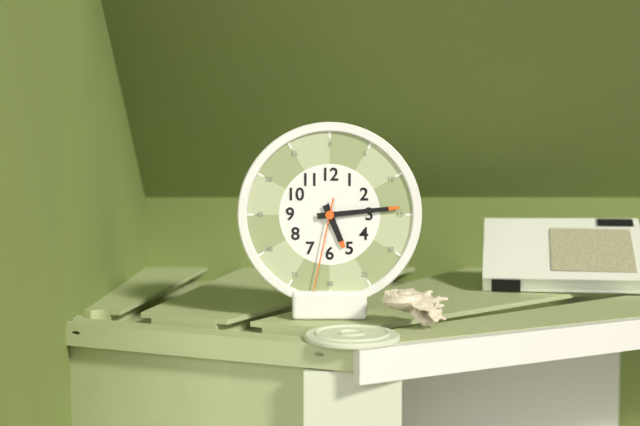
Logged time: 5,14,32
